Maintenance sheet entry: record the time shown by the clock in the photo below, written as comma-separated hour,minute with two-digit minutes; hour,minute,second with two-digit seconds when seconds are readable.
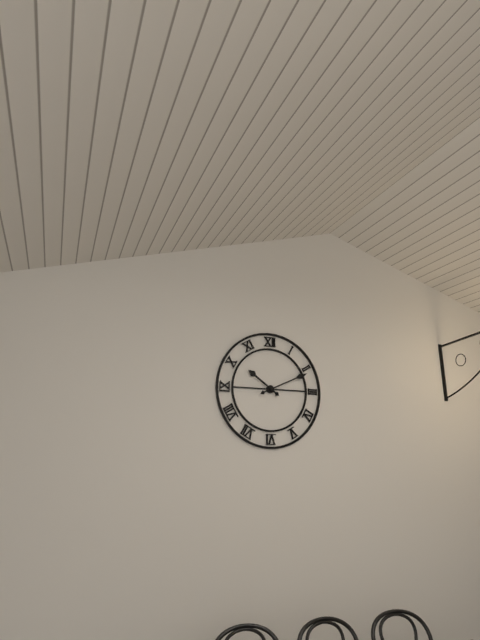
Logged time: 10,11
